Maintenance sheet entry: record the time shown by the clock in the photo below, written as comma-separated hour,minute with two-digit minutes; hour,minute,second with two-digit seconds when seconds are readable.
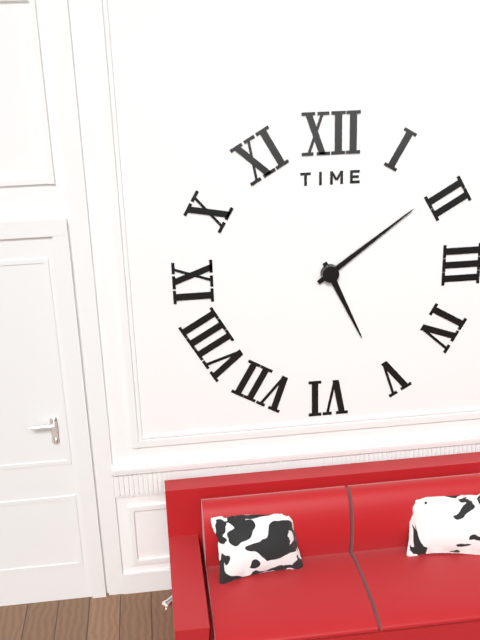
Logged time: 5,09
